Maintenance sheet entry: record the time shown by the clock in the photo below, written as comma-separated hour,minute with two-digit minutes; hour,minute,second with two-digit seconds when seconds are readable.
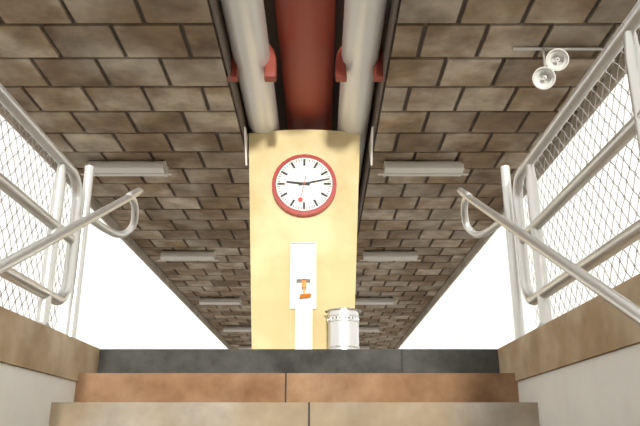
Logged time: 9,13
